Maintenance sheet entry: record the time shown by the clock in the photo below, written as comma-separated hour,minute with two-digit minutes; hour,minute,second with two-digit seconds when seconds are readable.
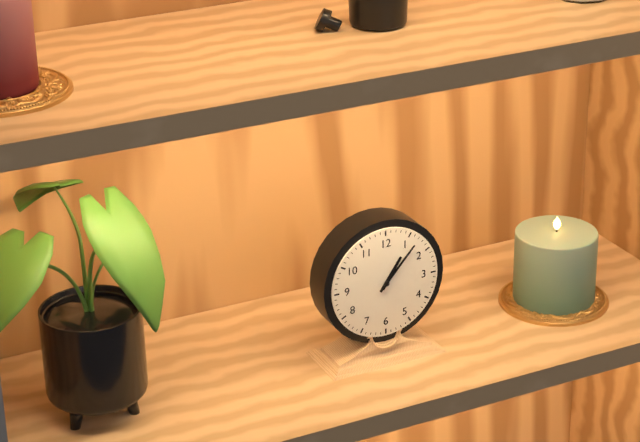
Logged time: 1,07
